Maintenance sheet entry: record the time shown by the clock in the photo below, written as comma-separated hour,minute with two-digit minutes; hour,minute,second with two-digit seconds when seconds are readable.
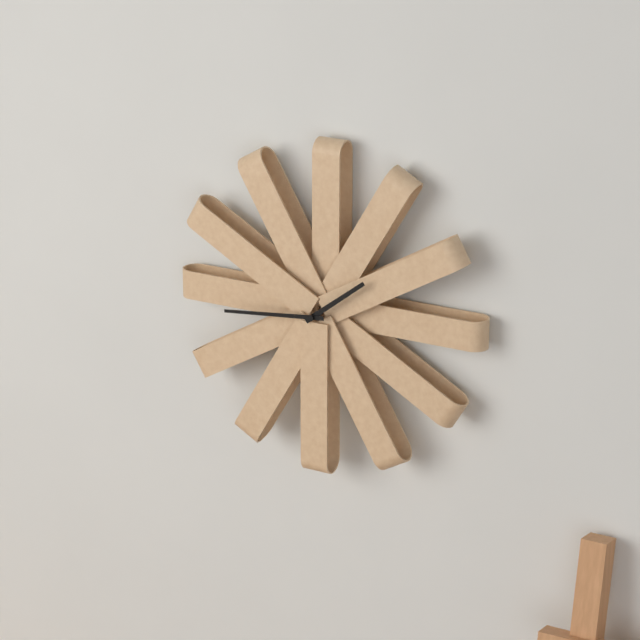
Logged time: 1,44
